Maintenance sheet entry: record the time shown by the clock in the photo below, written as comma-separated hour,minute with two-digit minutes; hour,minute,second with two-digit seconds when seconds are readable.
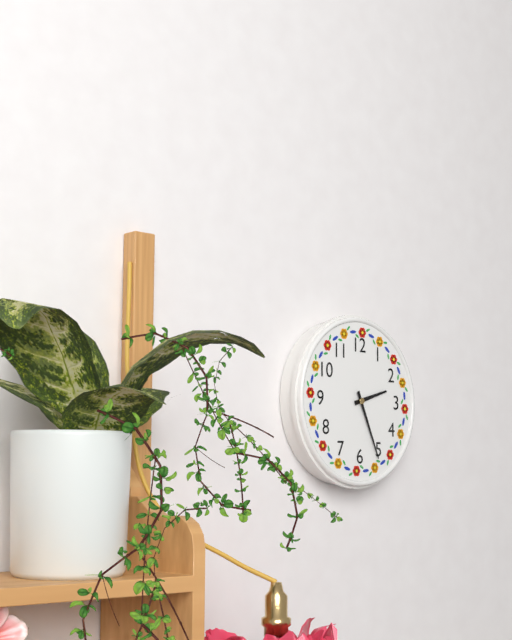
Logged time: 2,26
